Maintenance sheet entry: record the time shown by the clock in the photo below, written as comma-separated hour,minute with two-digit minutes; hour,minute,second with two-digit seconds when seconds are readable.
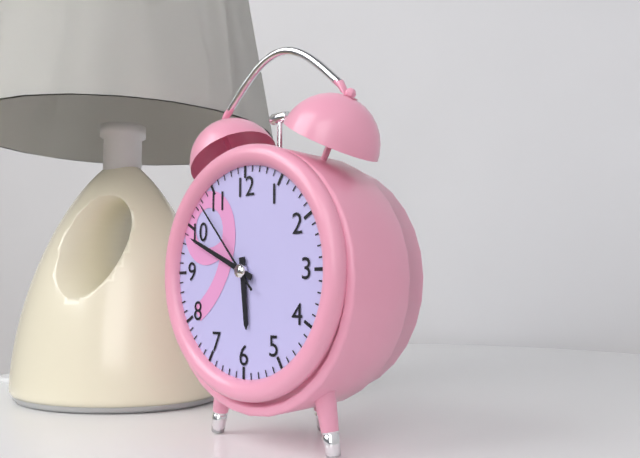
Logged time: 5,49,53
